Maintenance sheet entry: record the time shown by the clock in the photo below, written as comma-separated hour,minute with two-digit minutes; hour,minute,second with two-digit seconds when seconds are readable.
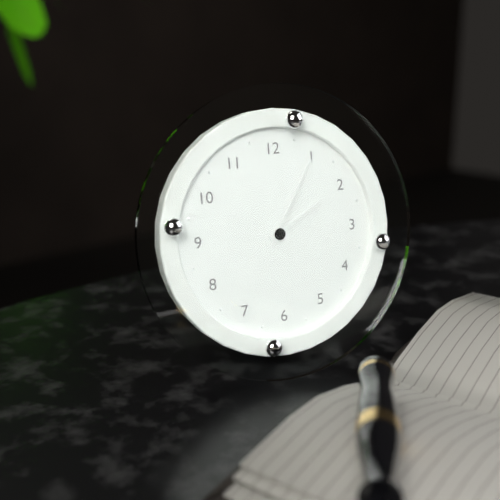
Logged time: 2,05
